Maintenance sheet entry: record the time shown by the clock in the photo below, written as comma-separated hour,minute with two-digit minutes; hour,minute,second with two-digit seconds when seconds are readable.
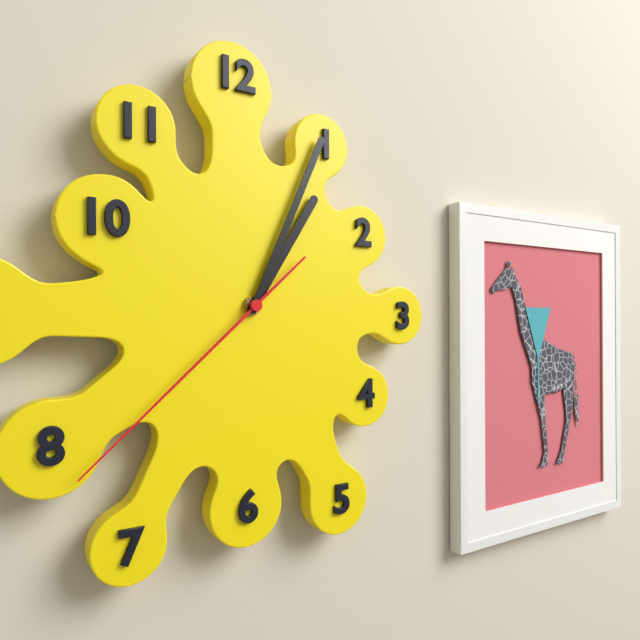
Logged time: 1,04,38
